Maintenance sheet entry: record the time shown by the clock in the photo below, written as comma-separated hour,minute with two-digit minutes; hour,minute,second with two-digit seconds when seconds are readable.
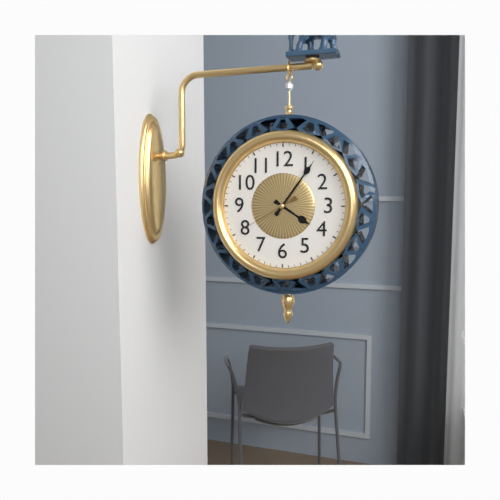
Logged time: 4,06,40
